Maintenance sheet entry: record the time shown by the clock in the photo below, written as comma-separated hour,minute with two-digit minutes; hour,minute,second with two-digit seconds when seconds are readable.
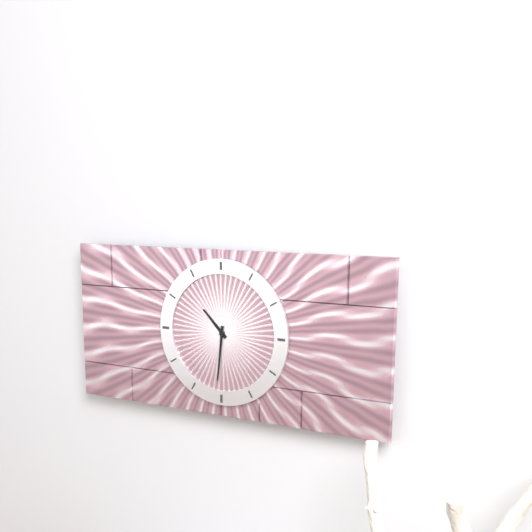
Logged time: 10,31
